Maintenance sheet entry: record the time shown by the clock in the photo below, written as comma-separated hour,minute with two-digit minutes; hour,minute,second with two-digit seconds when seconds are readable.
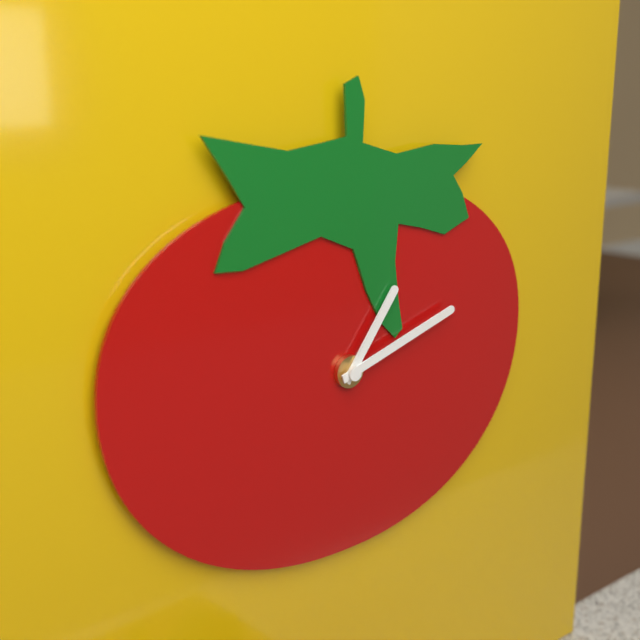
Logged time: 1,12
